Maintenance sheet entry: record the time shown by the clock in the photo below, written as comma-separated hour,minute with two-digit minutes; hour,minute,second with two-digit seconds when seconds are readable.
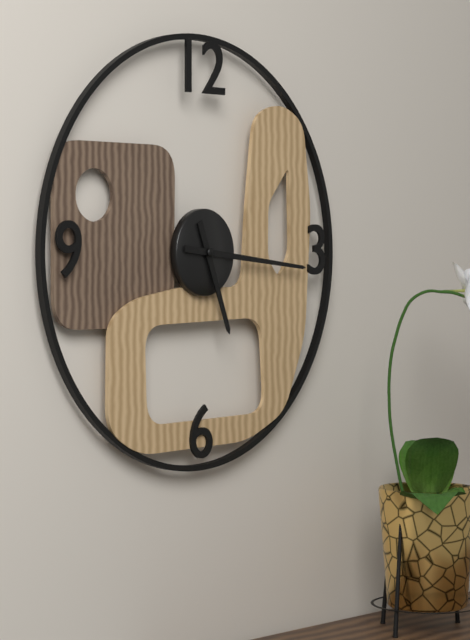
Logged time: 5,16
